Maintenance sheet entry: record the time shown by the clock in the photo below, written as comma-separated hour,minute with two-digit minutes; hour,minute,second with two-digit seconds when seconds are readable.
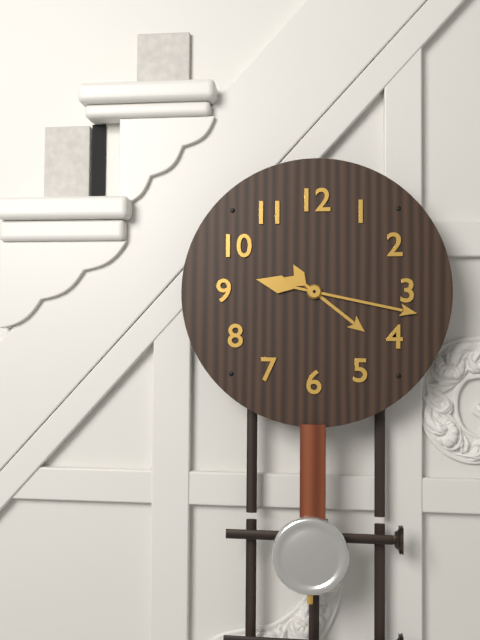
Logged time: 4,17
